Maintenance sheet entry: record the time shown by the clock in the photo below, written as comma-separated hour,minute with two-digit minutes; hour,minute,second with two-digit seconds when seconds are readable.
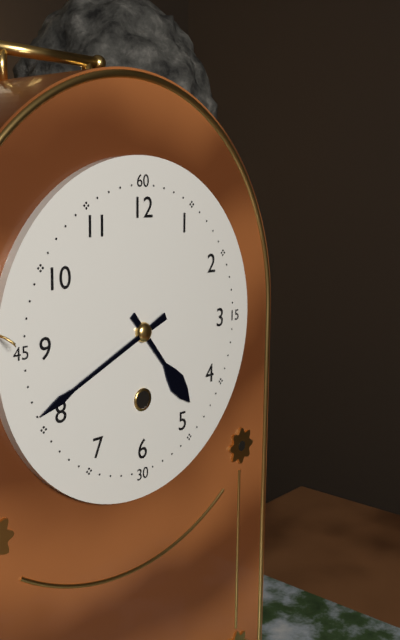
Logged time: 4,41
